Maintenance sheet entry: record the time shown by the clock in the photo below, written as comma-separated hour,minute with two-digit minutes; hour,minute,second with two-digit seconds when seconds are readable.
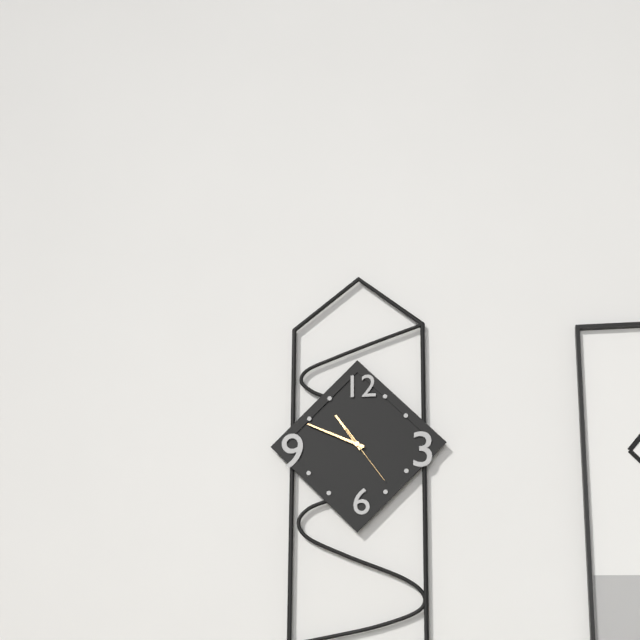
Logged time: 10,49,24
